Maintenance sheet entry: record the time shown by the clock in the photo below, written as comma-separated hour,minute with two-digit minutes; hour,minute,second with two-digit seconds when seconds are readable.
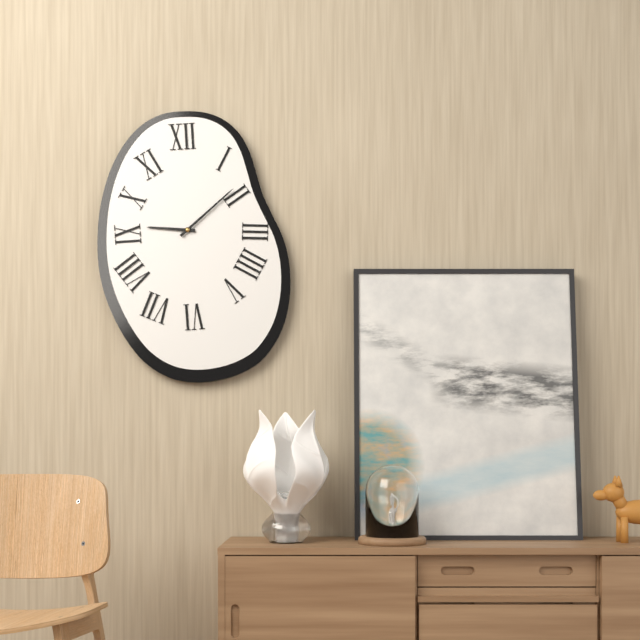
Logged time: 9,08
